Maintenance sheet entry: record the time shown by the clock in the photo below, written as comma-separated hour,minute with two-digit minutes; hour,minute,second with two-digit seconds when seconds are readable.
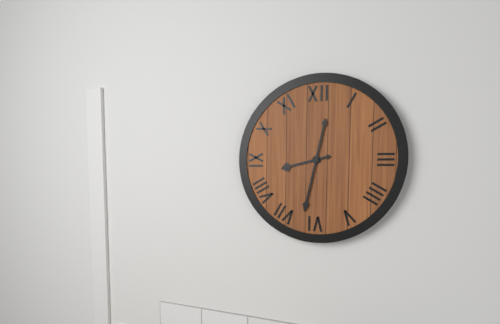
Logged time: 8,32
